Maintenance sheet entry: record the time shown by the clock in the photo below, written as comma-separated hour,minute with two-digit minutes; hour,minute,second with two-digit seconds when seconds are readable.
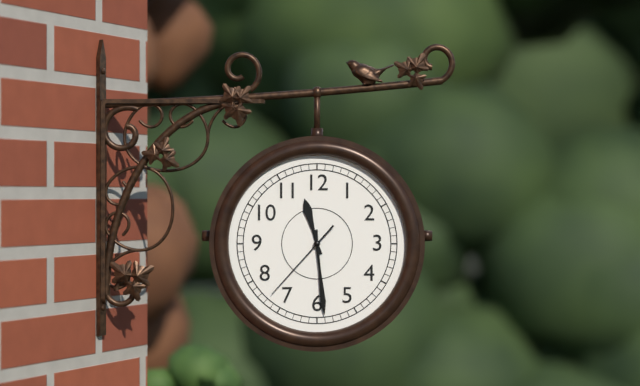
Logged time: 11,29,37
